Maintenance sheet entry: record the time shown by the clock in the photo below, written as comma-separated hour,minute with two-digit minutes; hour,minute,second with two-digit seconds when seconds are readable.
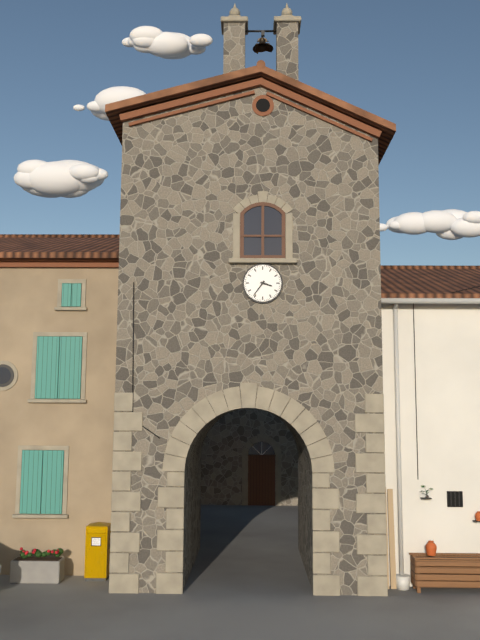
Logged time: 3,36
